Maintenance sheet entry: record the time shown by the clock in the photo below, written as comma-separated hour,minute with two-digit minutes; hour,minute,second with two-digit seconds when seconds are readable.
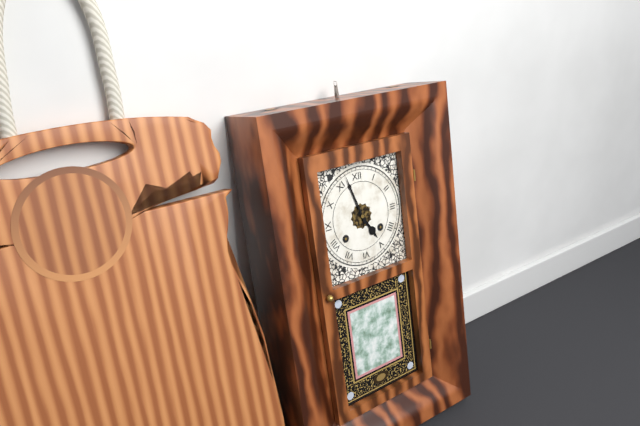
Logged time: 4,57
